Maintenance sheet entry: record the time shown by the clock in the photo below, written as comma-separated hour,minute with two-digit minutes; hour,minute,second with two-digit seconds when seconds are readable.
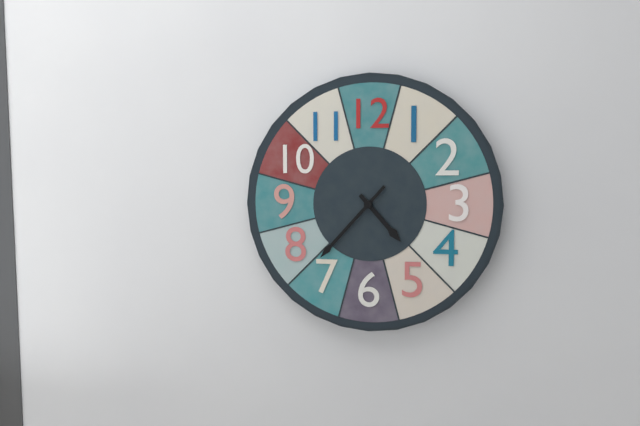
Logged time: 4,37
